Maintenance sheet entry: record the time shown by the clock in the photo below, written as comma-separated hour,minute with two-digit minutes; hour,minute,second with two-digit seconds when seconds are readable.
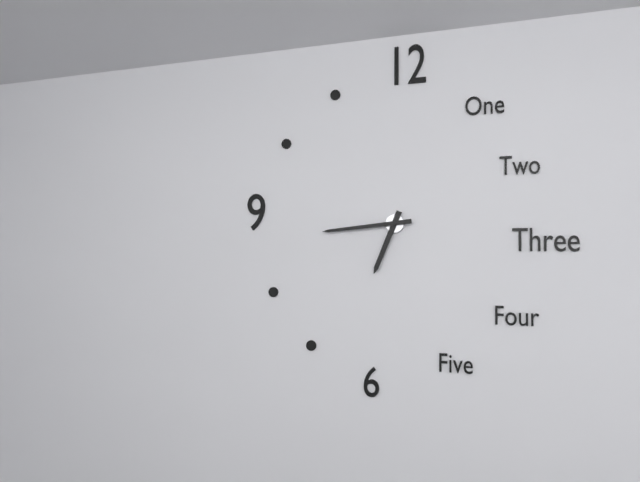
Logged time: 6,44
